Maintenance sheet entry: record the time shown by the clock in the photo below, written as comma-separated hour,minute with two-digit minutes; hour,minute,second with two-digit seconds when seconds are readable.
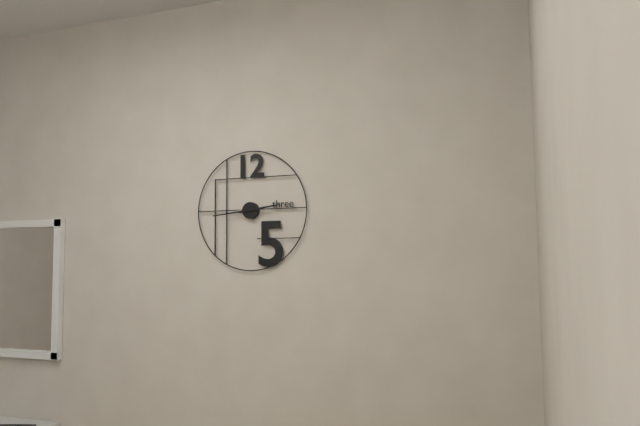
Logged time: 2,44
